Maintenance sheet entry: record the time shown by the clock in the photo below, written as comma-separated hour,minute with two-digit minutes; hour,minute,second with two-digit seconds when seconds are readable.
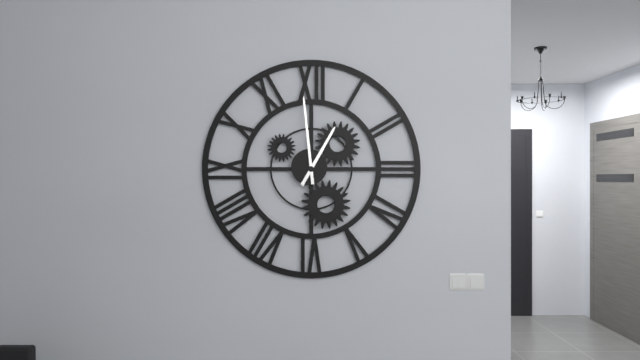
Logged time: 12,59
